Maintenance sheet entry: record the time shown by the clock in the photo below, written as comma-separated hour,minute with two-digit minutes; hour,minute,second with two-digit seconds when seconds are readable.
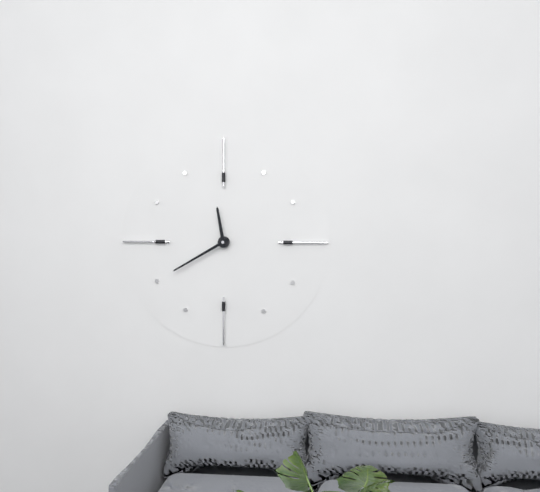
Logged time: 11,40
